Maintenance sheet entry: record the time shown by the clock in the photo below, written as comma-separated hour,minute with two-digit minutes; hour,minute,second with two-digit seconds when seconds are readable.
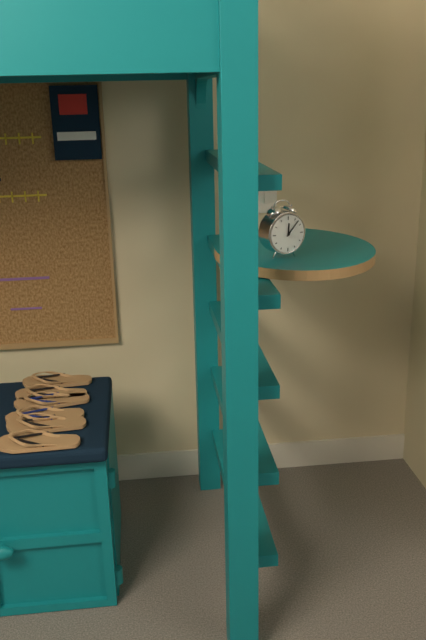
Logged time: 12,07
